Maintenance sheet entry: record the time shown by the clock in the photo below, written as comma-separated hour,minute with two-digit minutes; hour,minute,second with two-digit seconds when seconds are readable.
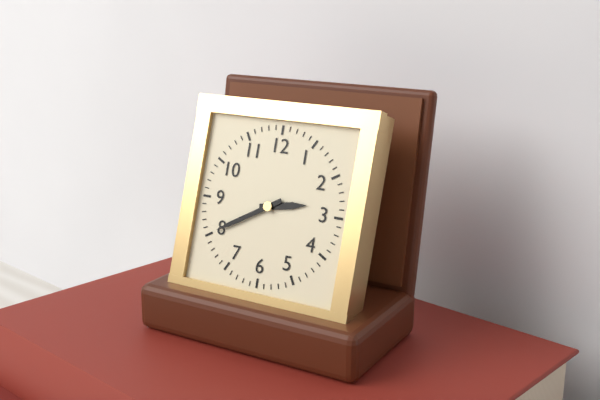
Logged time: 2,40
